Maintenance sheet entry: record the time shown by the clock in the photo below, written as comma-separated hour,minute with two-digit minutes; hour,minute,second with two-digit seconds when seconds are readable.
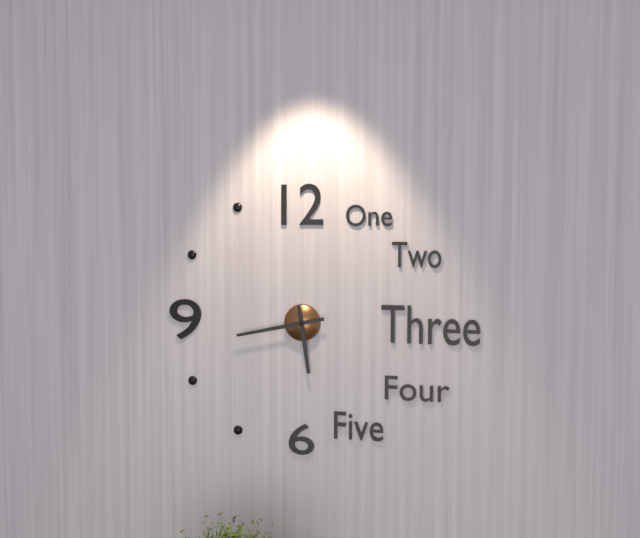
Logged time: 5,43
